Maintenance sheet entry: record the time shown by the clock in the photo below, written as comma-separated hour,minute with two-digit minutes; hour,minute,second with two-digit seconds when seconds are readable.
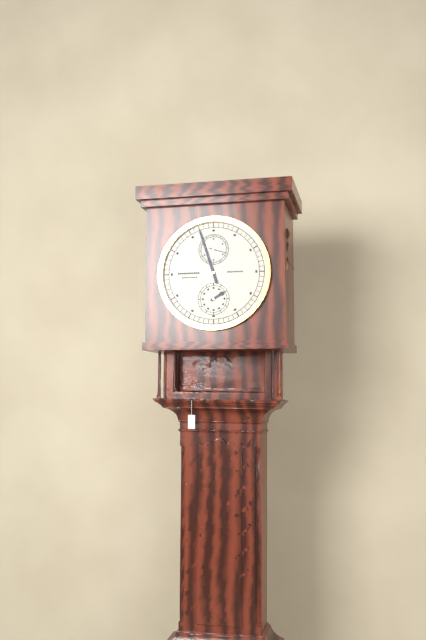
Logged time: 1,57
